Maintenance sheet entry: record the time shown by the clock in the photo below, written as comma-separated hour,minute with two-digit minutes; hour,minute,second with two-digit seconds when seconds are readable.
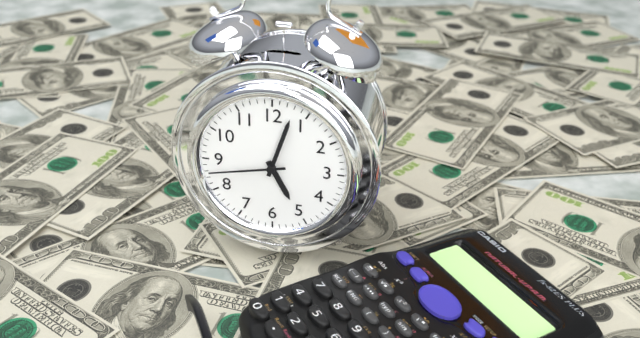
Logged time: 5,03,43
